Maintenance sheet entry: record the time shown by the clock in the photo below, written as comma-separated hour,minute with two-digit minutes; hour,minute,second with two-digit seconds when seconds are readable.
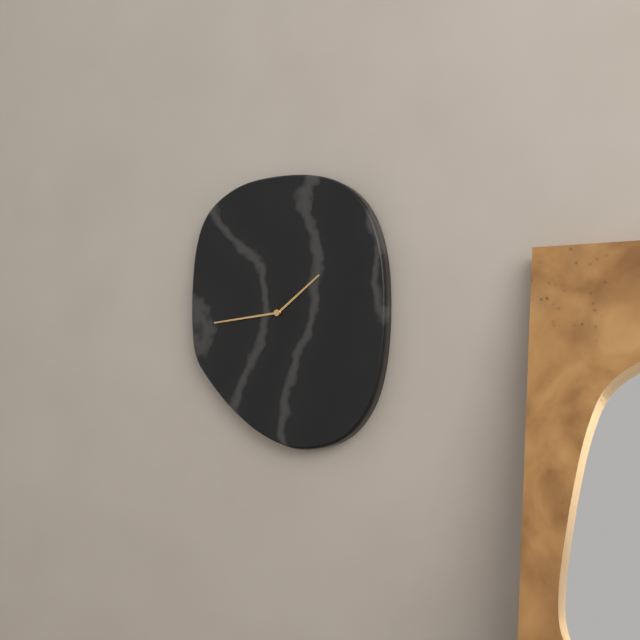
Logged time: 1,44
